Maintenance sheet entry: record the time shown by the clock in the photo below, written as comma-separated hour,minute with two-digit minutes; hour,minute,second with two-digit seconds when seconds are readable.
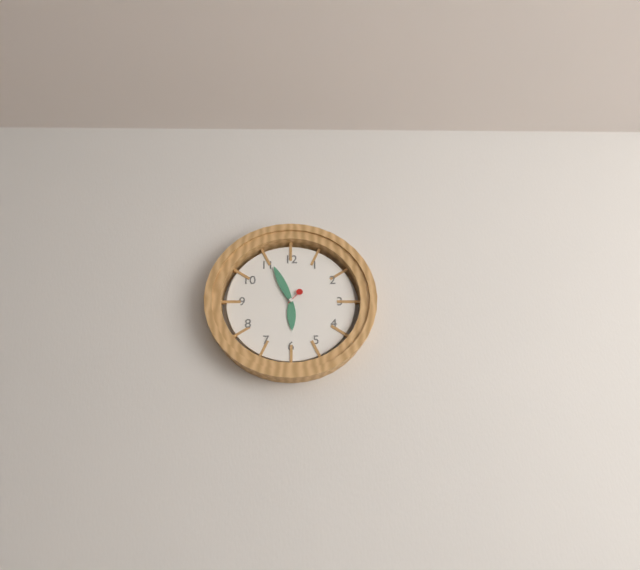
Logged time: 5,56
